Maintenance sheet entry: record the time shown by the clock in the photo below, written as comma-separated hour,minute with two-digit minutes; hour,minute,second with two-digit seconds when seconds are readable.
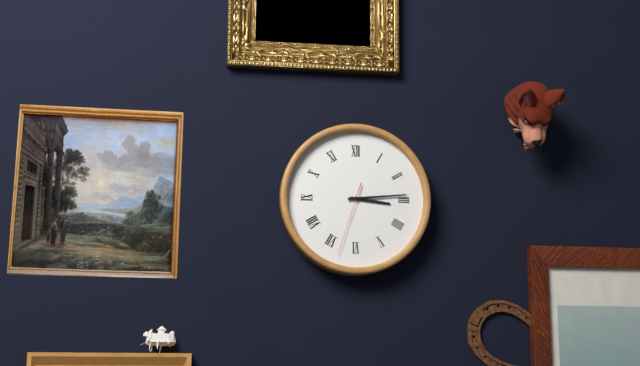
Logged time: 3,14,33
